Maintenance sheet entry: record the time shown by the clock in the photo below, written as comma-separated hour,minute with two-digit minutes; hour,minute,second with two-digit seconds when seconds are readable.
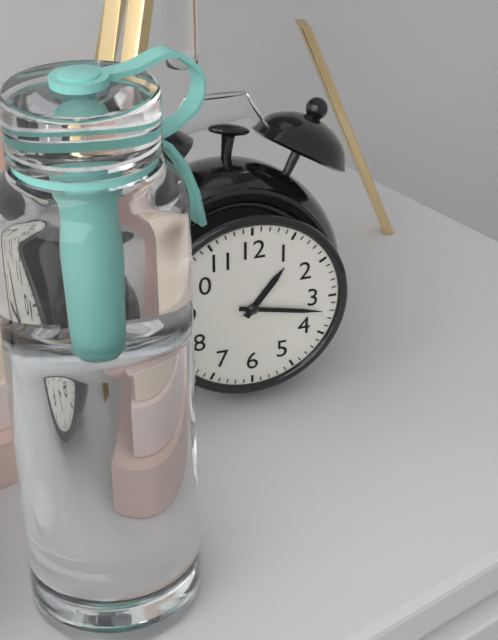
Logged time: 1,17
